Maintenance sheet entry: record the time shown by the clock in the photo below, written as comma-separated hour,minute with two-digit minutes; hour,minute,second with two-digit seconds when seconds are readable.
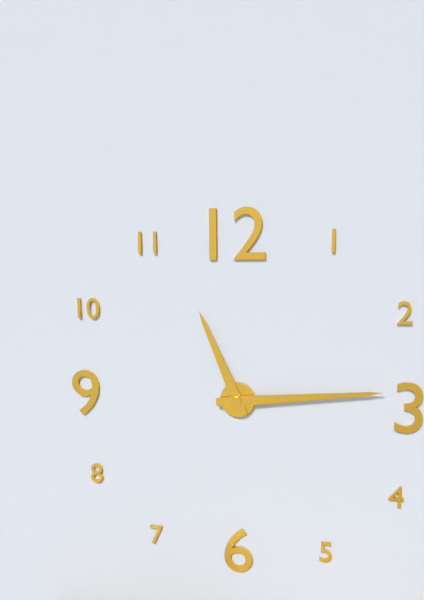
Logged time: 11,14
